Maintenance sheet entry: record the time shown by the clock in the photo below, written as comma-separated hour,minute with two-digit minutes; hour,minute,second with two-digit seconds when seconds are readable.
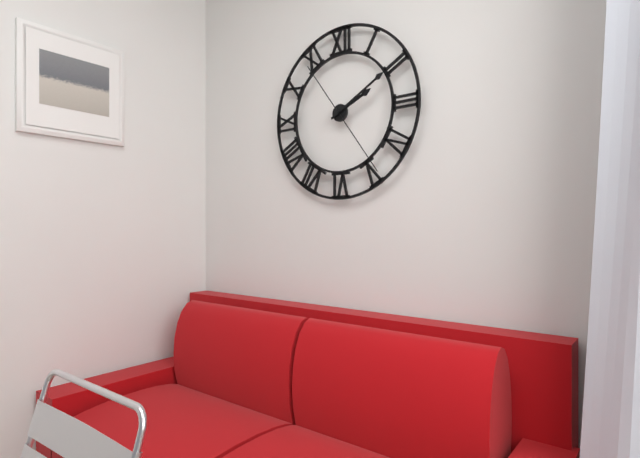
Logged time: 2,10,24
